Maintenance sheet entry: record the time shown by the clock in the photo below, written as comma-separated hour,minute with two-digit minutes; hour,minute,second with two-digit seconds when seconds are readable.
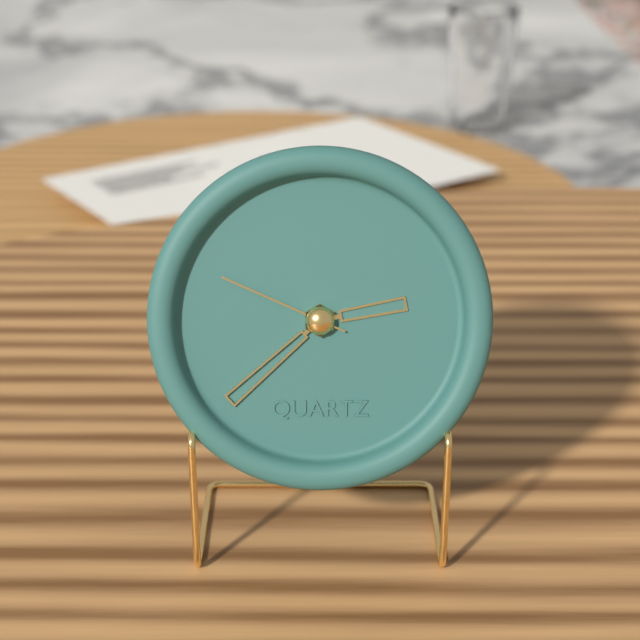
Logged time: 2,38,49
